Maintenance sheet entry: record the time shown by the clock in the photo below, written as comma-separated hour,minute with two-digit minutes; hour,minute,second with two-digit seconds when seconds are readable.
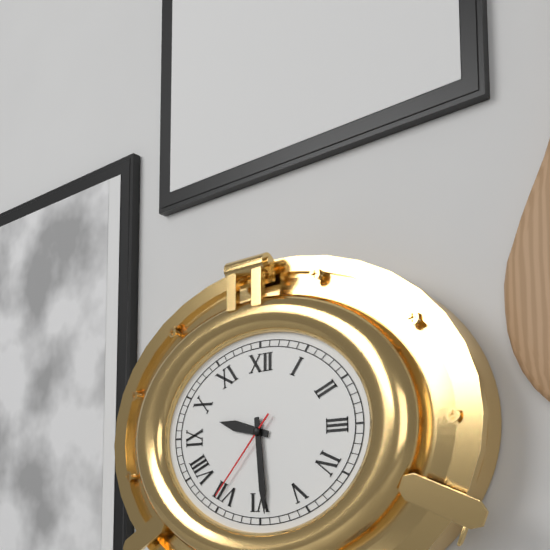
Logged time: 9,29,37
